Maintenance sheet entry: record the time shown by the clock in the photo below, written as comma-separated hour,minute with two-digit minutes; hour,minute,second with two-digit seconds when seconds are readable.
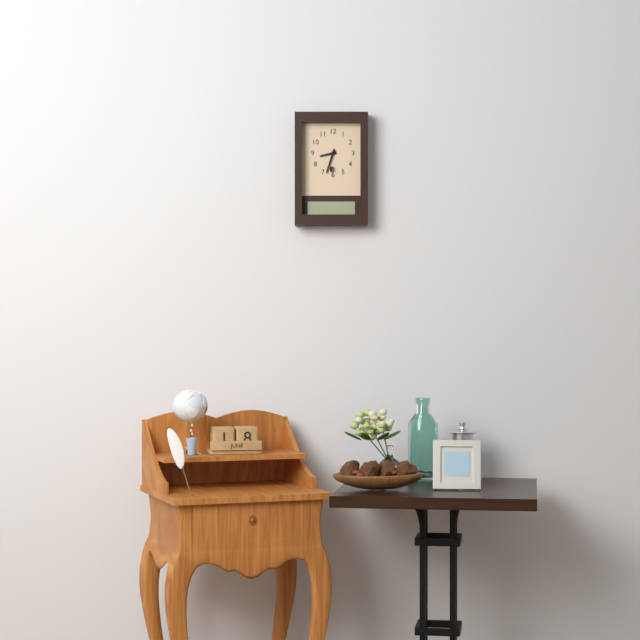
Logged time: 8,33
